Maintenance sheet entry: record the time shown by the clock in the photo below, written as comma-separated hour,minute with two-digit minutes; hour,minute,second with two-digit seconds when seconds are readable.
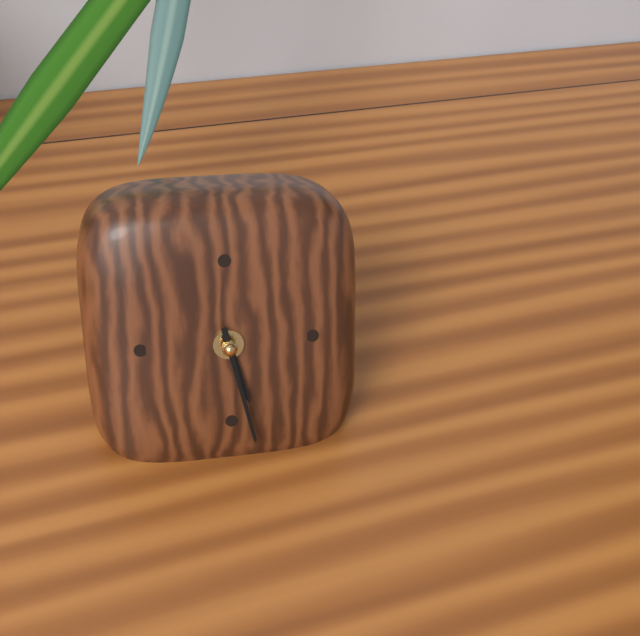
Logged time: 5,28
